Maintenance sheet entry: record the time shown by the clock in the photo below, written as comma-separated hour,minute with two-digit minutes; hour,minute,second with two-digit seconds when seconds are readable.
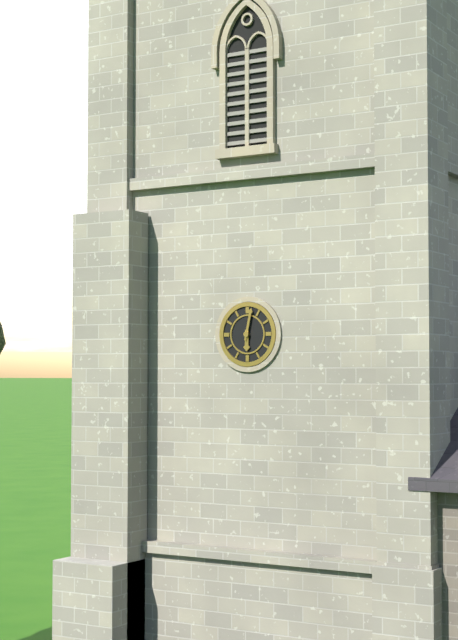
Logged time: 6,02
